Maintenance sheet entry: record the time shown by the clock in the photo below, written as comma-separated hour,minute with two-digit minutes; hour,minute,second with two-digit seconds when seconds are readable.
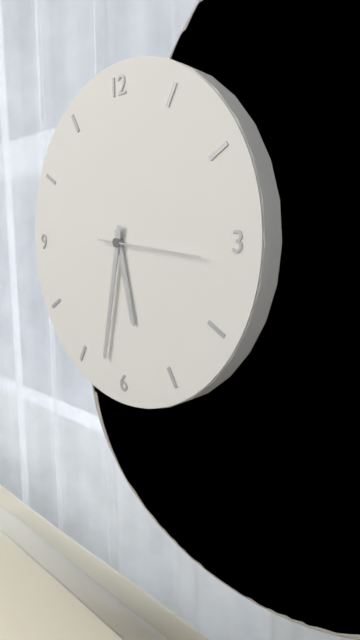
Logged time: 5,32,16
